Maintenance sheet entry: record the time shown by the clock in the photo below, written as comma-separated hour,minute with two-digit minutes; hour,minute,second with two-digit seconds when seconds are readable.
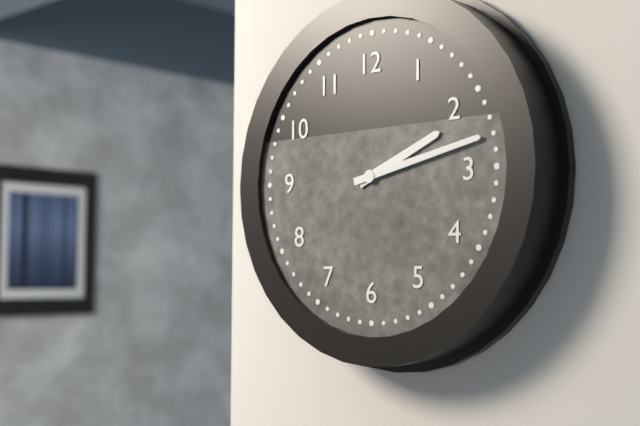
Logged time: 2,13
